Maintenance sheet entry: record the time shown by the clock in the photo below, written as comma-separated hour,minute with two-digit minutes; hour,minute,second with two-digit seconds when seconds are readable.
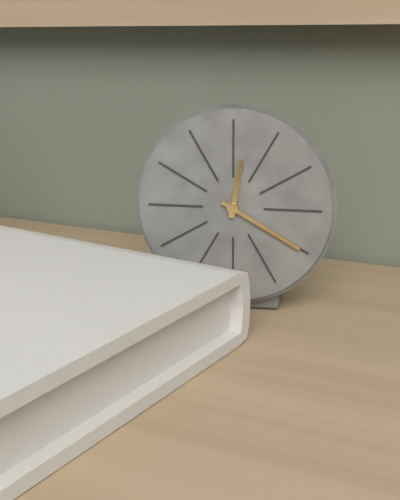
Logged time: 12,20
